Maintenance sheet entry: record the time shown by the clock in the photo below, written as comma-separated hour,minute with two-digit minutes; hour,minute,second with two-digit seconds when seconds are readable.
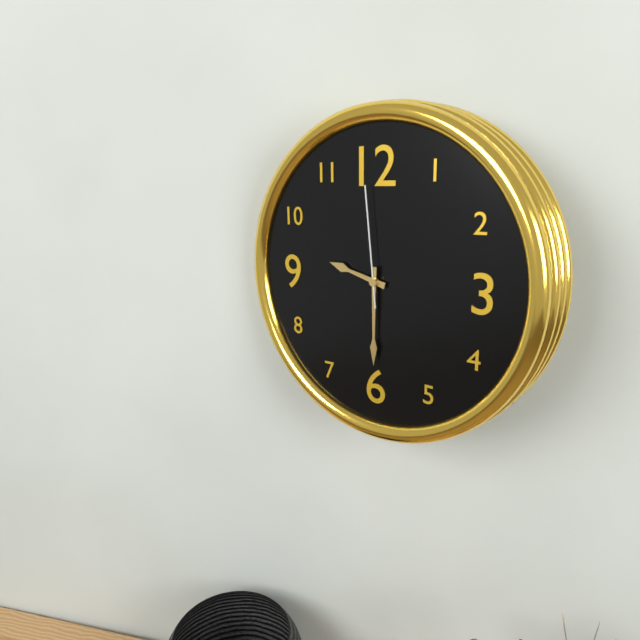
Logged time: 9,30,59
